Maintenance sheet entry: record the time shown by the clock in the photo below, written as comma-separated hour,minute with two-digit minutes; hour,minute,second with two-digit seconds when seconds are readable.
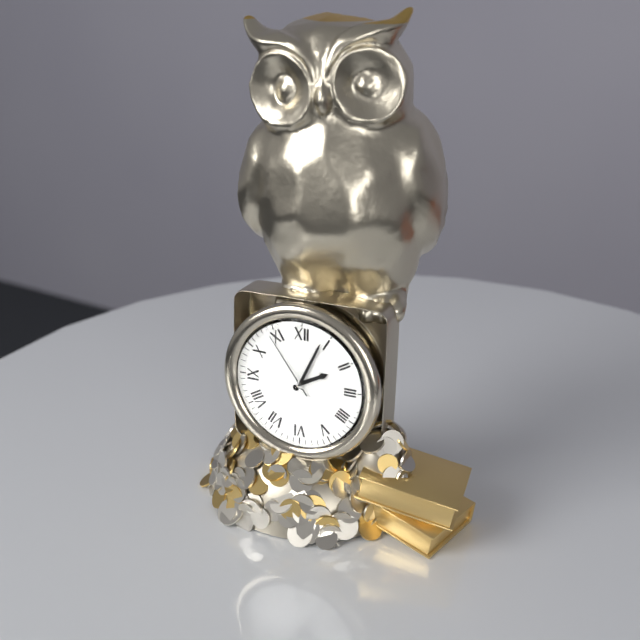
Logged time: 2,04,54
